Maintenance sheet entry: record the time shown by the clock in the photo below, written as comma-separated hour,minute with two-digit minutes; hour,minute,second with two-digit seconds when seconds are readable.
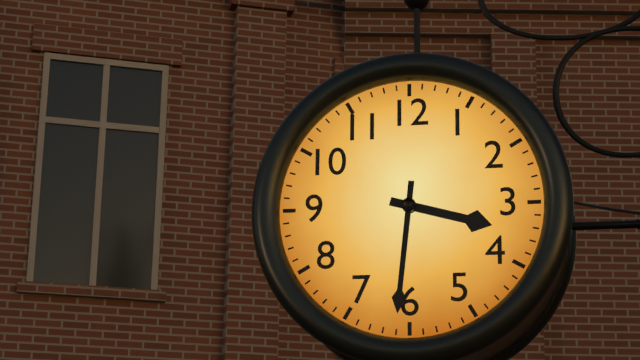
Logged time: 3,31
